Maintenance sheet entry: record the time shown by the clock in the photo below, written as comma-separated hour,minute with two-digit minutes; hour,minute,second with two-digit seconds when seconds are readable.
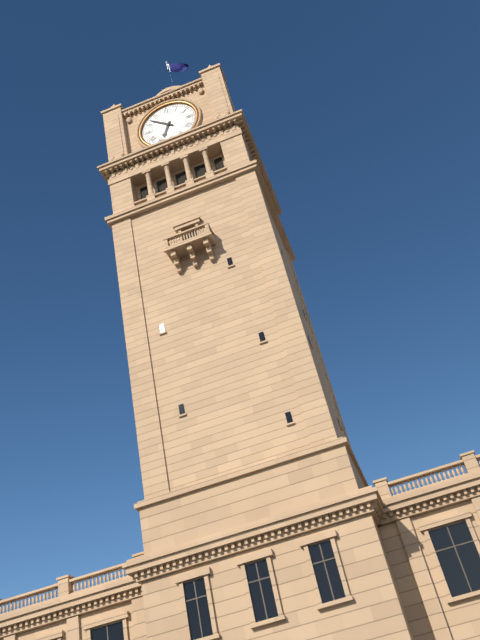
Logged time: 6,52
